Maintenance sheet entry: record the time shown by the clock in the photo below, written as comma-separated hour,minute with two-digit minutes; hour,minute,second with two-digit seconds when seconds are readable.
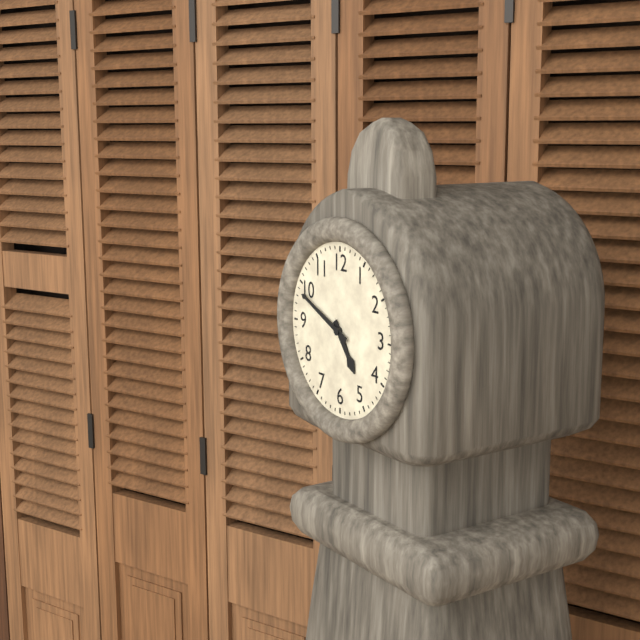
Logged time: 4,49
